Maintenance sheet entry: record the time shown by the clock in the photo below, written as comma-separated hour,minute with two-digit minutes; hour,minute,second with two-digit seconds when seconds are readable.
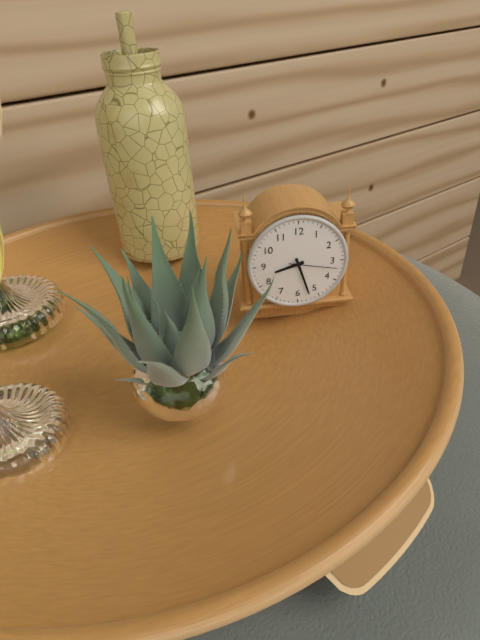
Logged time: 8,27,17
